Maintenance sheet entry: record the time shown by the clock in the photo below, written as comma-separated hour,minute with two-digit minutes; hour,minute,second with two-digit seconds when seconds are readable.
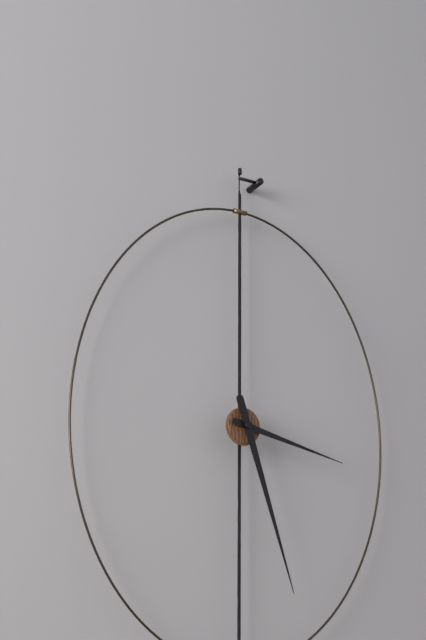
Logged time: 3,27
